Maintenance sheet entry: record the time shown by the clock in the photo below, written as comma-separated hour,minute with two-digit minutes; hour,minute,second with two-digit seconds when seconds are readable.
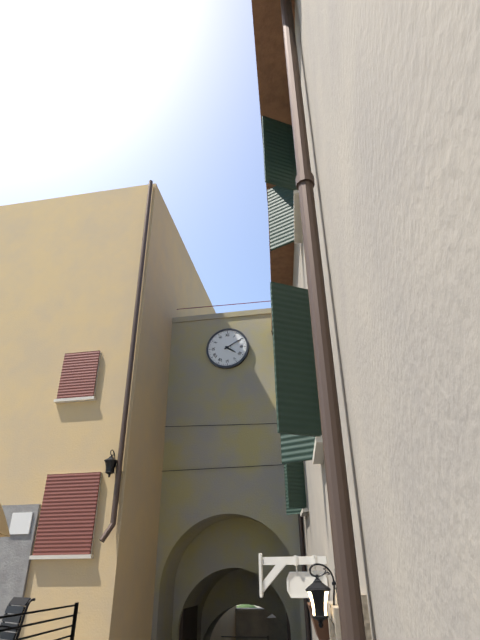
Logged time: 4,10
